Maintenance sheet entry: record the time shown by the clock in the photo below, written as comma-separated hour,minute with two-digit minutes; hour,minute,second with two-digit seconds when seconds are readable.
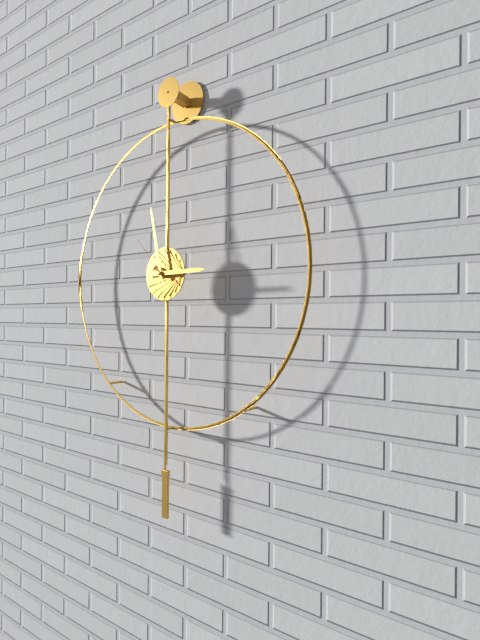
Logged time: 2,58,53
